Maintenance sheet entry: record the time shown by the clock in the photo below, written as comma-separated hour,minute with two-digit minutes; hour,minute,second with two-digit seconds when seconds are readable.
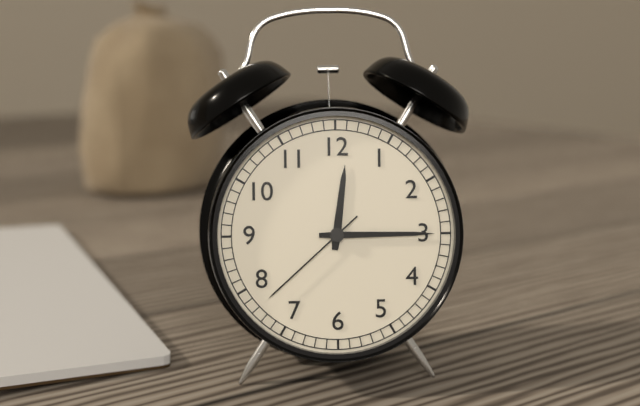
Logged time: 12,15,38
